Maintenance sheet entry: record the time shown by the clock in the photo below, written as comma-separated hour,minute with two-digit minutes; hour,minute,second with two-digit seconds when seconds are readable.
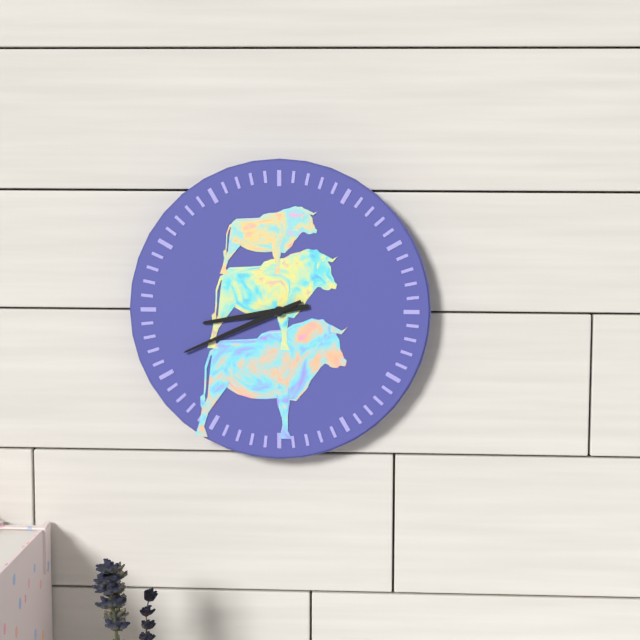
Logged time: 8,41
